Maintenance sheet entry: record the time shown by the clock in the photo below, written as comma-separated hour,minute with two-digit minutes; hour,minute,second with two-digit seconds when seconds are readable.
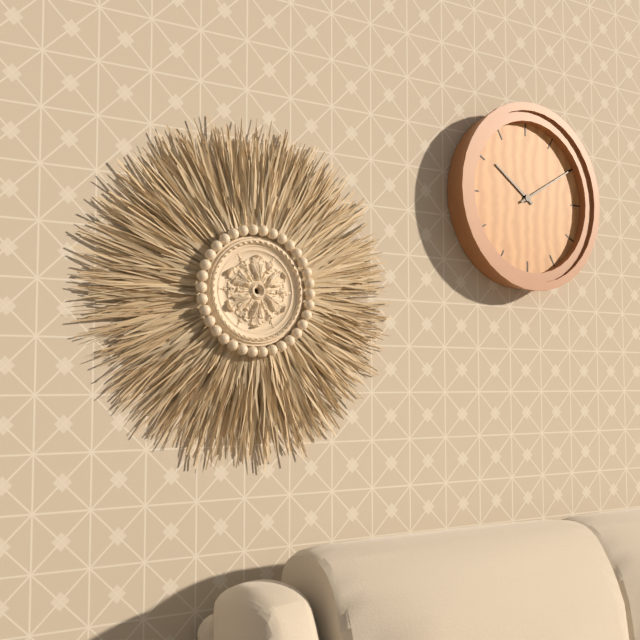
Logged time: 10,10
